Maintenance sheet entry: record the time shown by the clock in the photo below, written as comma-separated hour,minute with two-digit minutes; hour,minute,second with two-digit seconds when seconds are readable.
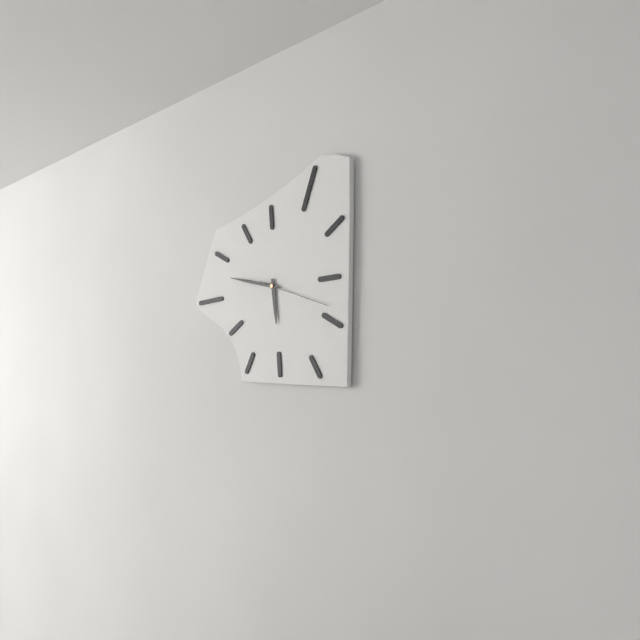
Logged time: 5,47,18
